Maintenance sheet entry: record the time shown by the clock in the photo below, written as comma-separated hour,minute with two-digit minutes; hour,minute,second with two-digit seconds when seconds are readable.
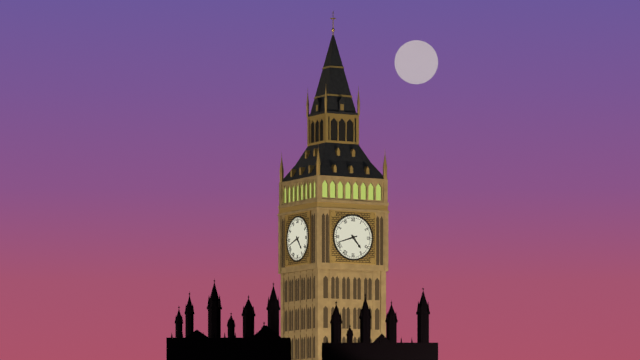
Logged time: 4,42
